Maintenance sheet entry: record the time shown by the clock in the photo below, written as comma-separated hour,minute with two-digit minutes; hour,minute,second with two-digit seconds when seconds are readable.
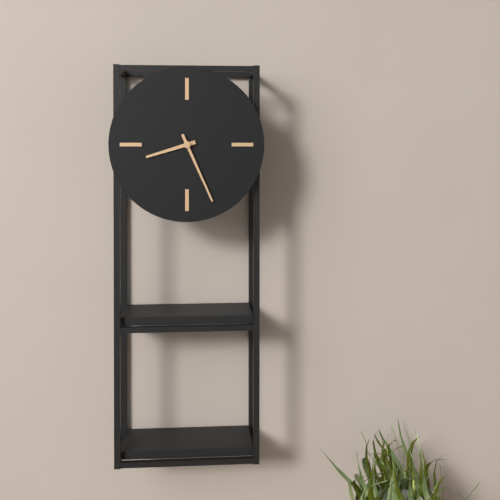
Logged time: 8,26
